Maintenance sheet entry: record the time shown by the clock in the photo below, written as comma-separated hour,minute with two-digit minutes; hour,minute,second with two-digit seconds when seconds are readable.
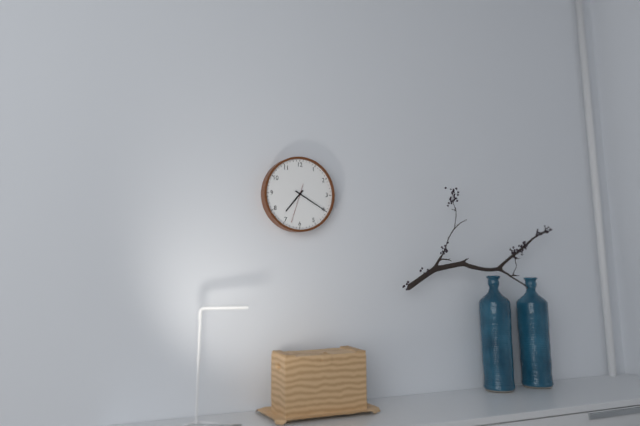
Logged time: 7,20
